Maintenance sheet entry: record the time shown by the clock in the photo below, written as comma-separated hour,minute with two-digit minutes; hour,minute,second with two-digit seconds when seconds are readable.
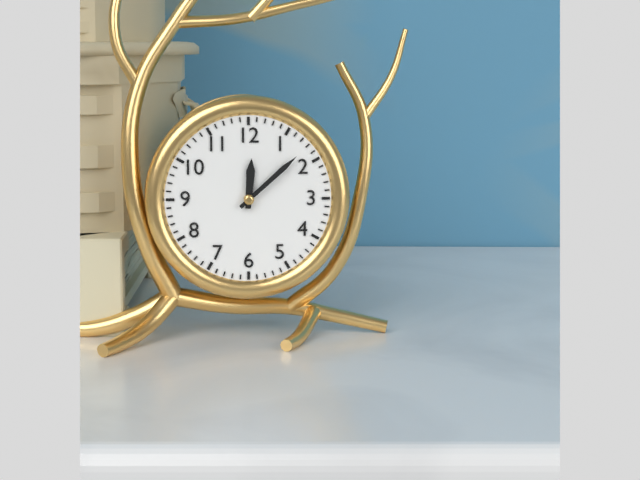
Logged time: 12,08
